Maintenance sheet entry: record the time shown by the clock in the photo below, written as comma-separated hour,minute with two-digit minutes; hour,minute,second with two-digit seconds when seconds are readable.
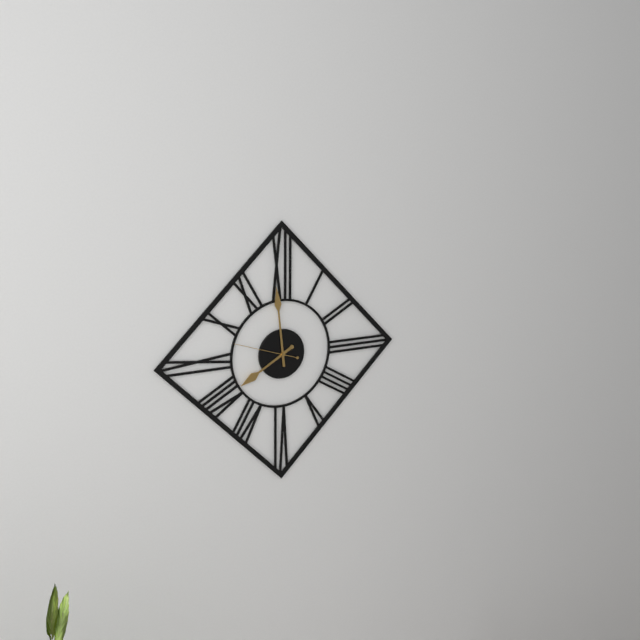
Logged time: 7,59,48
